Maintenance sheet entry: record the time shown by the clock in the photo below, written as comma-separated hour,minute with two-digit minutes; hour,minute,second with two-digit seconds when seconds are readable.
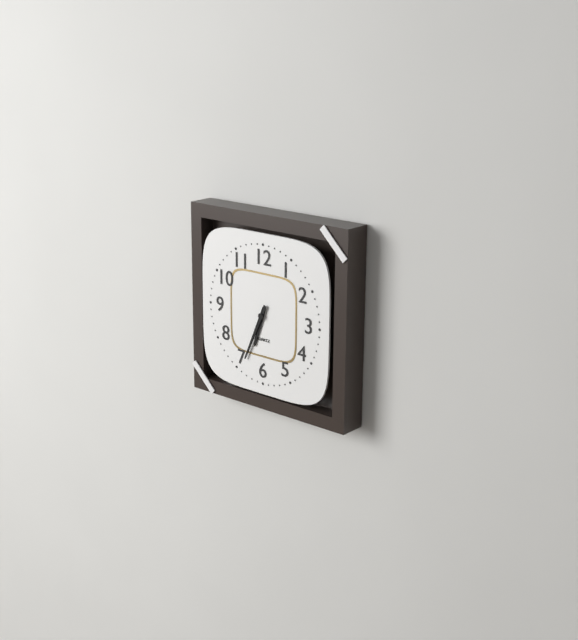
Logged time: 6,34
